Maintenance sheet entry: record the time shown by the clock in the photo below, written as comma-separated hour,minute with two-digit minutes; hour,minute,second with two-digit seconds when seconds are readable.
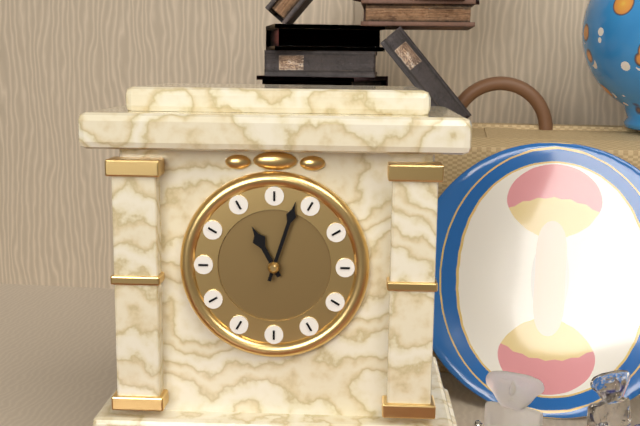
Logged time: 11,03
